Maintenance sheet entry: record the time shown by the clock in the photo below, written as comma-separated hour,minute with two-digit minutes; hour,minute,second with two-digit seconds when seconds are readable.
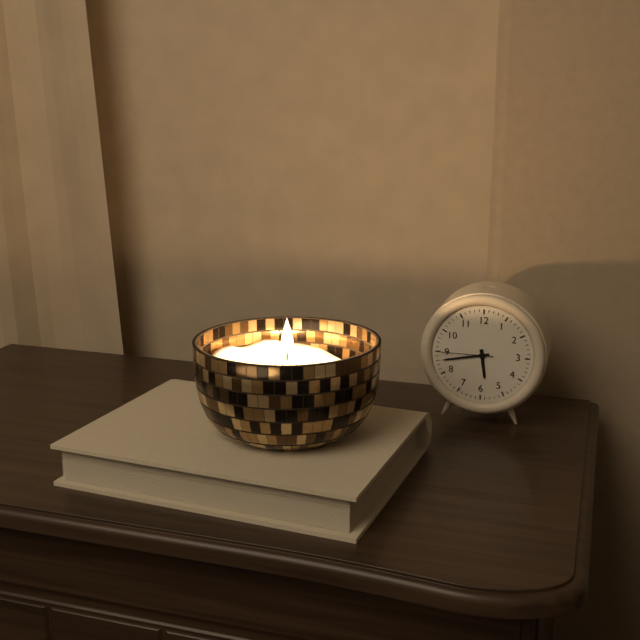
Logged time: 5,43,45
